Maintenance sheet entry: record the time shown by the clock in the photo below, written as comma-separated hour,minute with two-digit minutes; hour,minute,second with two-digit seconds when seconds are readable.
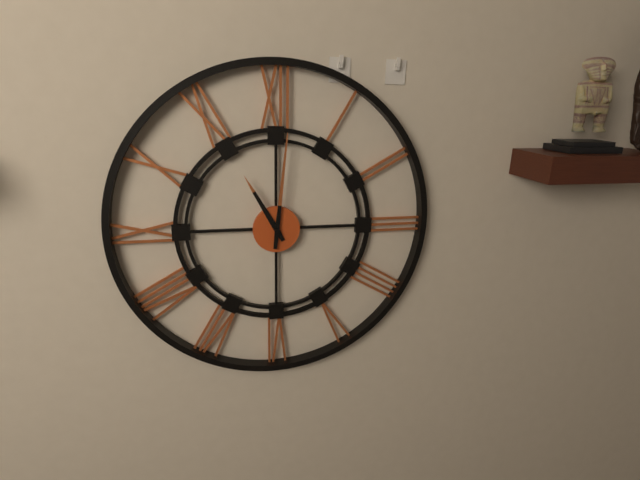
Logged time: 11,01
